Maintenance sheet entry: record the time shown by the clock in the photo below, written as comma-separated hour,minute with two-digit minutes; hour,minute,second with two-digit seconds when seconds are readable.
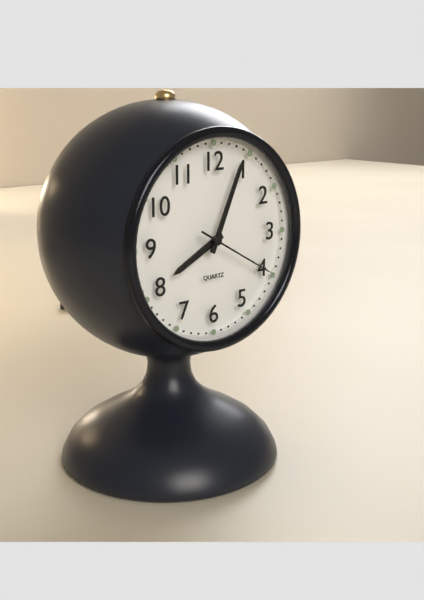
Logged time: 8,04,20
